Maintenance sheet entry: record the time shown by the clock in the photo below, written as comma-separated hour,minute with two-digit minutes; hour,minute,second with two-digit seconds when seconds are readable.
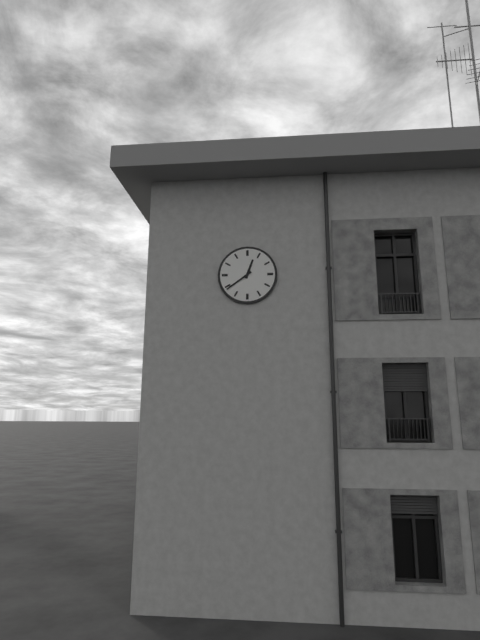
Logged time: 12,39
